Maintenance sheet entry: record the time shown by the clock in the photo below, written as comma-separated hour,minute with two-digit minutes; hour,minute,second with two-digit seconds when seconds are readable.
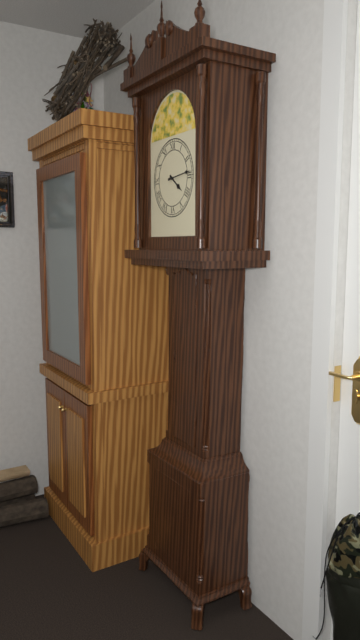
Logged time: 4,14
